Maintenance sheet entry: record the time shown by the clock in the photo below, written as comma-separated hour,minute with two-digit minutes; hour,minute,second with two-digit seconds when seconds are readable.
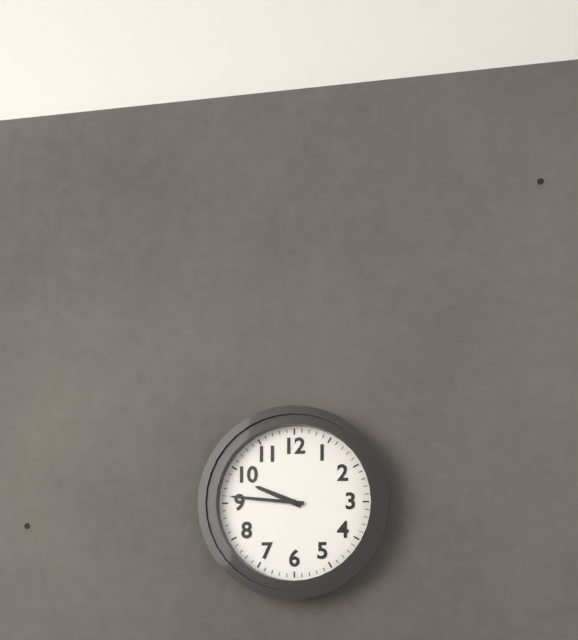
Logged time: 9,46
